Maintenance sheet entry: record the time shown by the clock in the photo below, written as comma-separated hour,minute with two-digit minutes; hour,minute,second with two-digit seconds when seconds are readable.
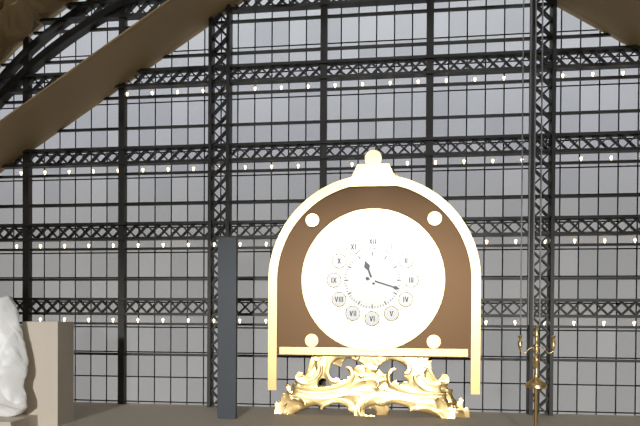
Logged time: 11,18
